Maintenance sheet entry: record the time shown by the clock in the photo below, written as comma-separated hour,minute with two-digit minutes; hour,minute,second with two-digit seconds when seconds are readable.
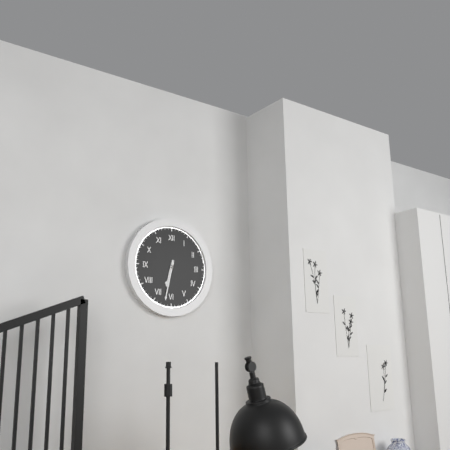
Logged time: 6,32
